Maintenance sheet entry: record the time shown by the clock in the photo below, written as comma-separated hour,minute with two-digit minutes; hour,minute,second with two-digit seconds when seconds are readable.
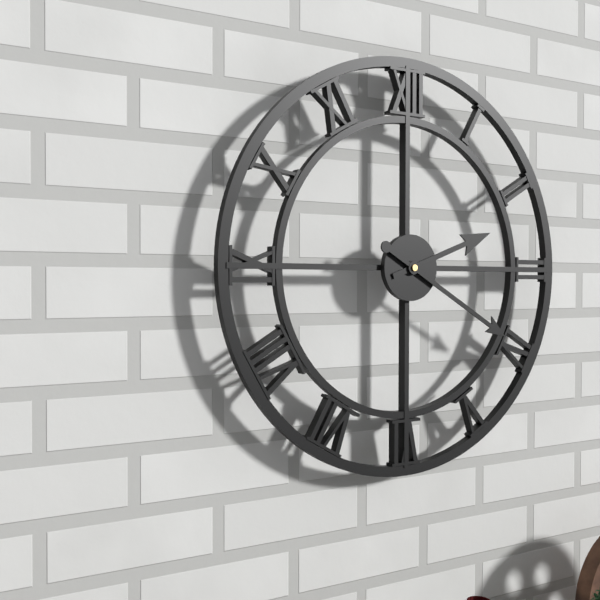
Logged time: 2,20
